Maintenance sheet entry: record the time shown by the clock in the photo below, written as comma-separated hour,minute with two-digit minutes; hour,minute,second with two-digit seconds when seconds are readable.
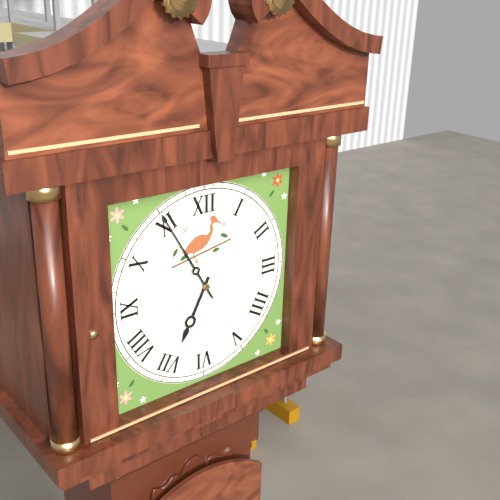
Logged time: 6,55
